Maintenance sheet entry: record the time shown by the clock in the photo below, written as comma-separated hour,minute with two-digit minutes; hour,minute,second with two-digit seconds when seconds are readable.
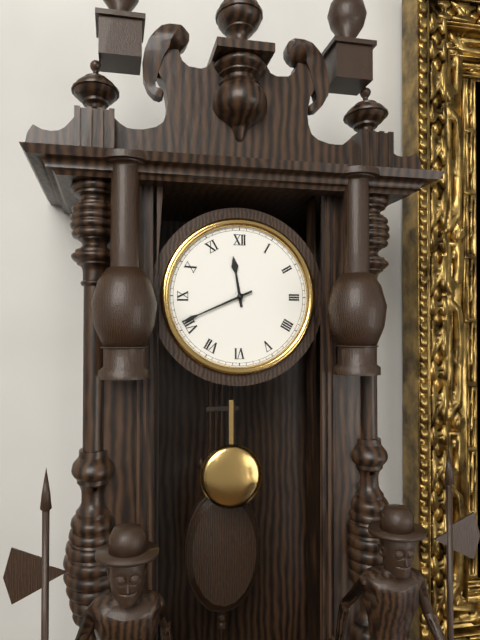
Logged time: 11,41
